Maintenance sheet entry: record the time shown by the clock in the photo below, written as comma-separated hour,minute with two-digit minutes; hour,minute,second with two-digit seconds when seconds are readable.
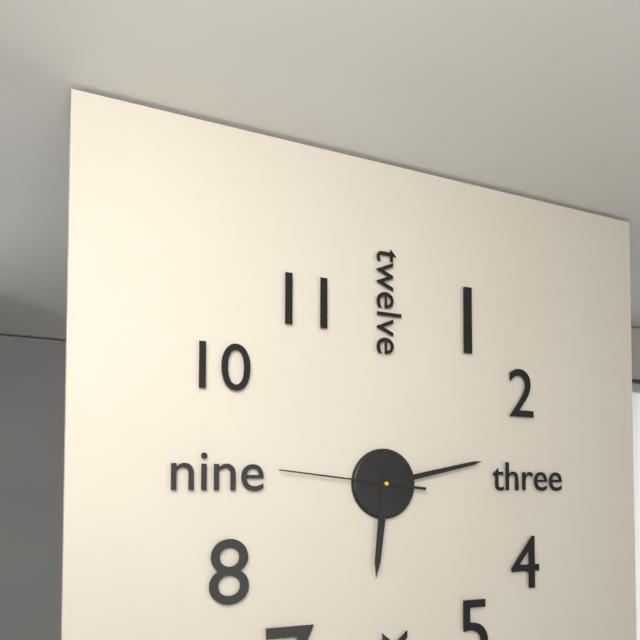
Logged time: 6,13,46
